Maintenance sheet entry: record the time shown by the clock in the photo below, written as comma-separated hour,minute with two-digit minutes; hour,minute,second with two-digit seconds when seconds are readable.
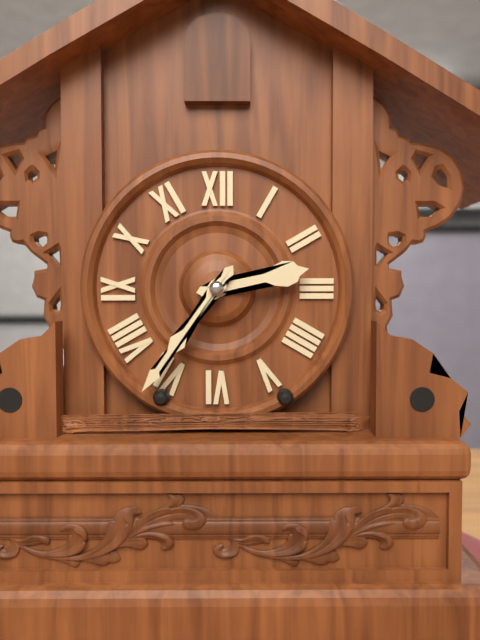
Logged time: 2,36
